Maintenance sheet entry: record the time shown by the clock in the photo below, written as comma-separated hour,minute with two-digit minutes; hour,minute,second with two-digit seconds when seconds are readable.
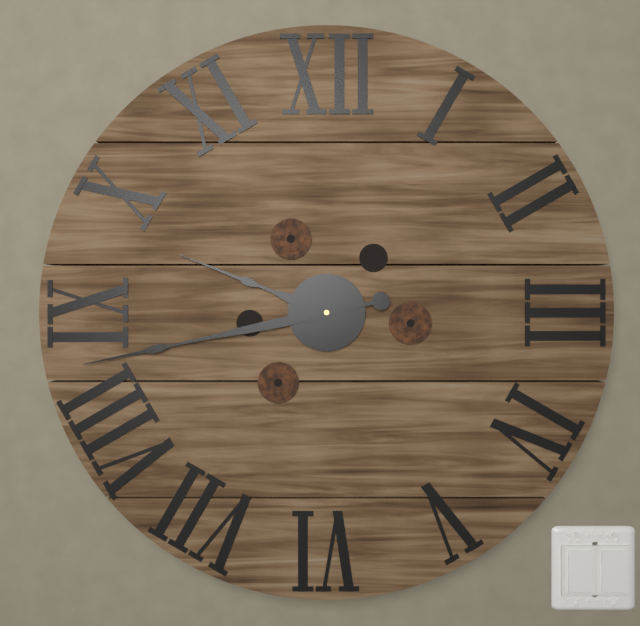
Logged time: 9,43
